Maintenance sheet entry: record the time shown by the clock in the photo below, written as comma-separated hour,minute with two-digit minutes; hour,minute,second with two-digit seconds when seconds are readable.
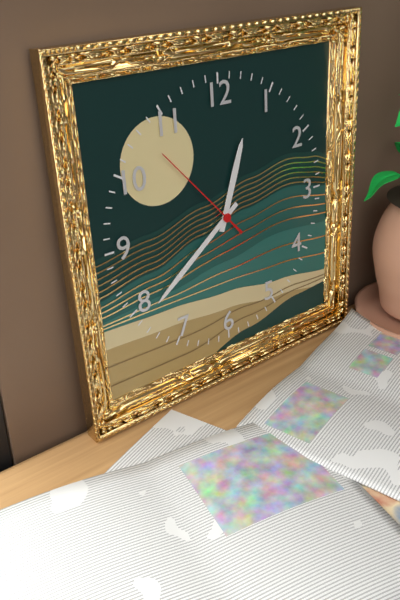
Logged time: 12,39,53
